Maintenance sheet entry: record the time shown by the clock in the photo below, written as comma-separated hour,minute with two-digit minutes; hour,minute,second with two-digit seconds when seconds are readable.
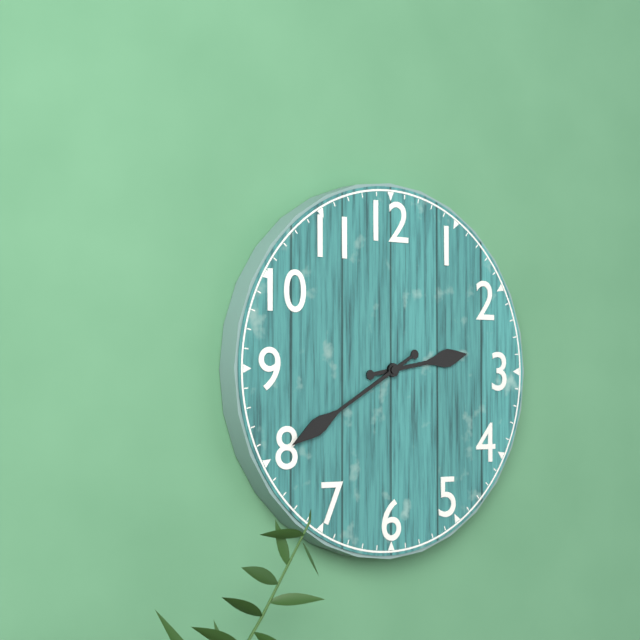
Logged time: 2,40
